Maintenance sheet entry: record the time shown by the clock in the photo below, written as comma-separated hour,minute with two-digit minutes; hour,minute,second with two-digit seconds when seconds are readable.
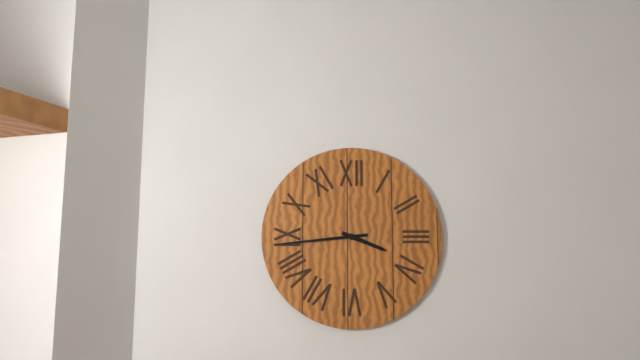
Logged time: 3,44
